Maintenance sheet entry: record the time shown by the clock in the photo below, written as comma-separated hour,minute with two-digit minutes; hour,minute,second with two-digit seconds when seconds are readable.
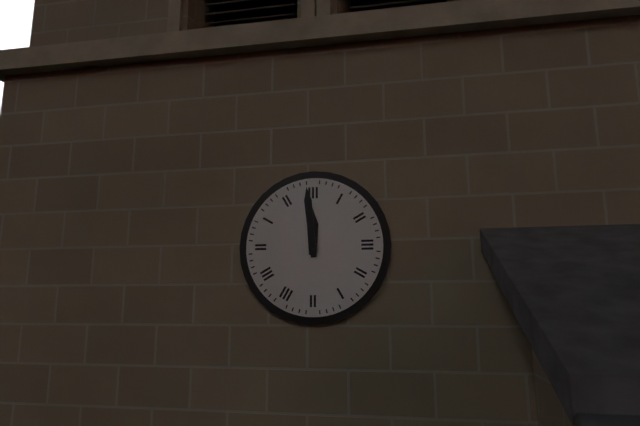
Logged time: 11,59
